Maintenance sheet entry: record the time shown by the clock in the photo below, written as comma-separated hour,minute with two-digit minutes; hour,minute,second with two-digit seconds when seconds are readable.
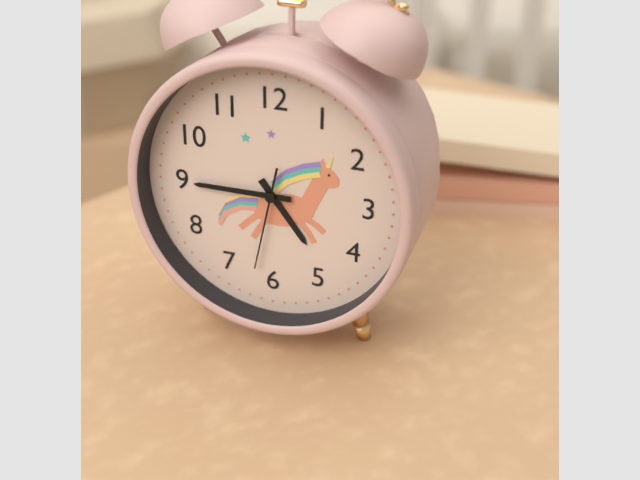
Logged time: 4,45,32
